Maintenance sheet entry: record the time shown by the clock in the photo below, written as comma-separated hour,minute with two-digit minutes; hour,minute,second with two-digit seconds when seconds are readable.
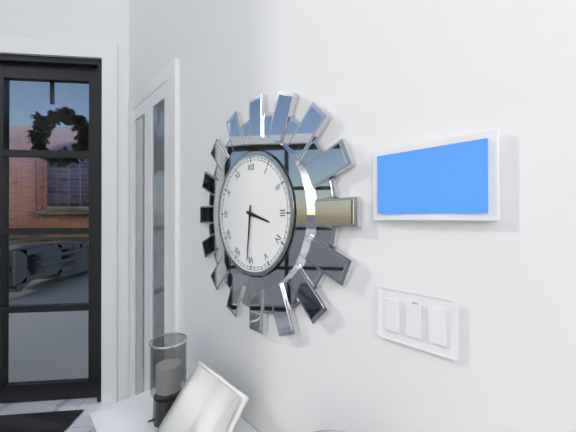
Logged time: 3,31
